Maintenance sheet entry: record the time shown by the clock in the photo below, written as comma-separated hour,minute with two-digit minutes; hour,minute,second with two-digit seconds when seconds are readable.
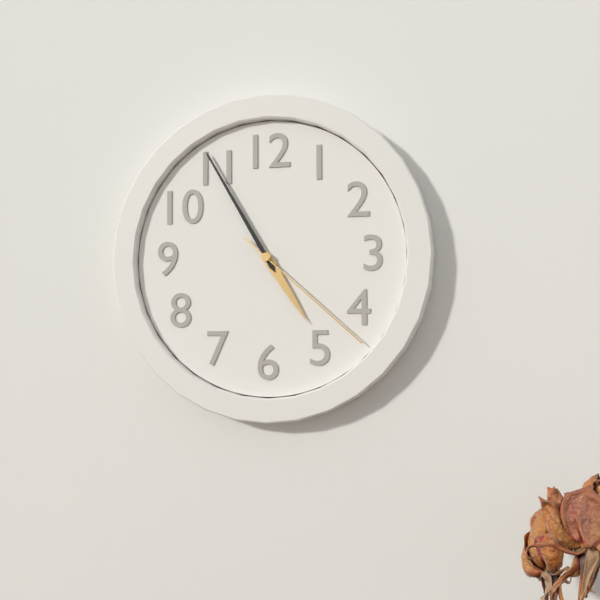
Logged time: 4,55,22
